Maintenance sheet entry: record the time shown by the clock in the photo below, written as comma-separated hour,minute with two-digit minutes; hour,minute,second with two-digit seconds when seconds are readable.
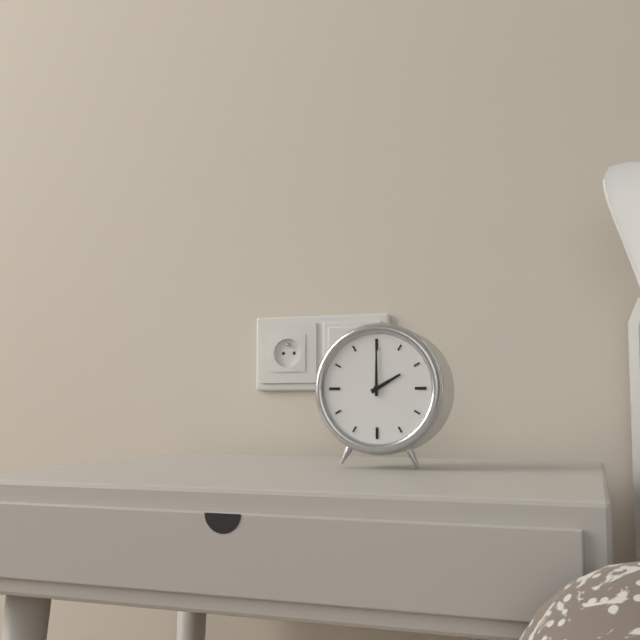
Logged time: 2,00
